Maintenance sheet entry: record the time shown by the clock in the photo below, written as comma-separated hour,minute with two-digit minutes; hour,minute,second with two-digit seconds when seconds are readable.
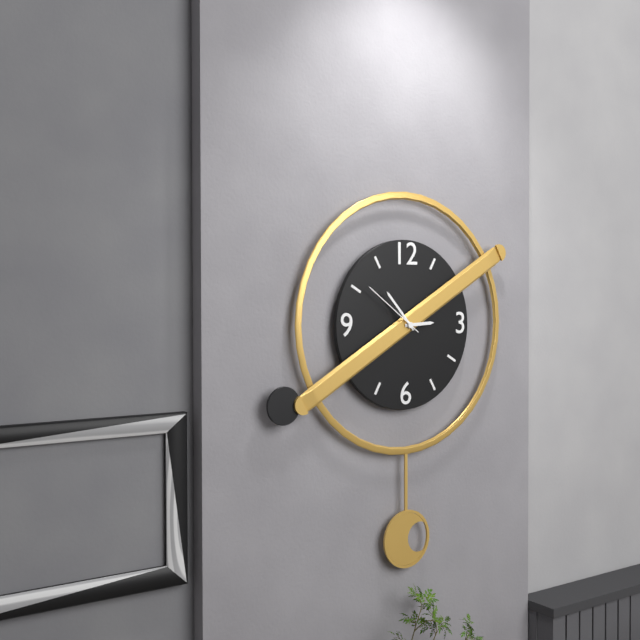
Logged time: 2,53,51
